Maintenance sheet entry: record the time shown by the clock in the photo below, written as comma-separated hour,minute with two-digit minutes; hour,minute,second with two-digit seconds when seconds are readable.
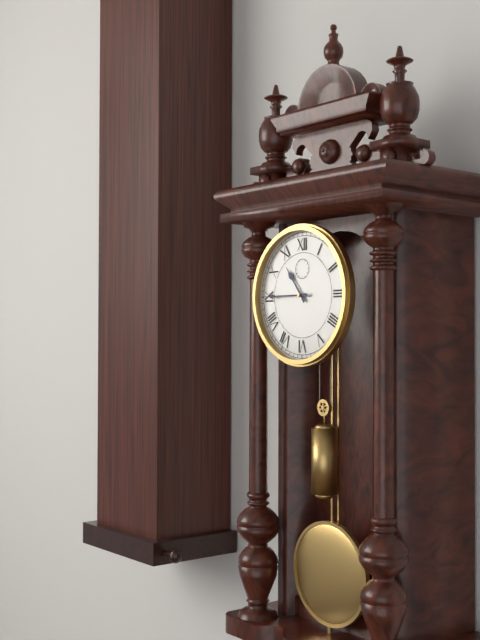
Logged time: 10,45
